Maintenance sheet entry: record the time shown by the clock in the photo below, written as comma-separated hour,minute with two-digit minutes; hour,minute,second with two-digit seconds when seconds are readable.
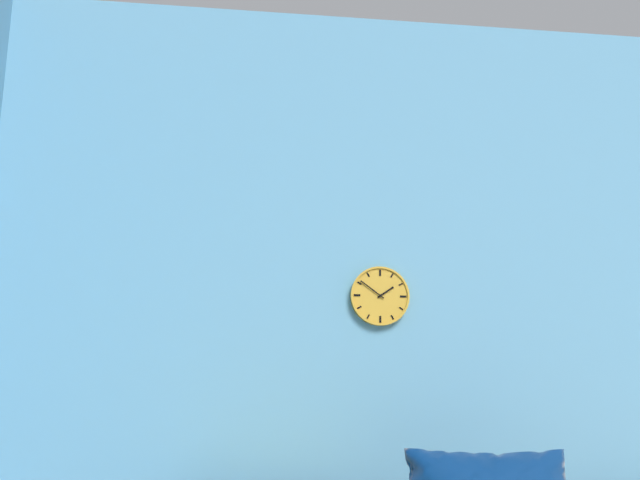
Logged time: 1,51
